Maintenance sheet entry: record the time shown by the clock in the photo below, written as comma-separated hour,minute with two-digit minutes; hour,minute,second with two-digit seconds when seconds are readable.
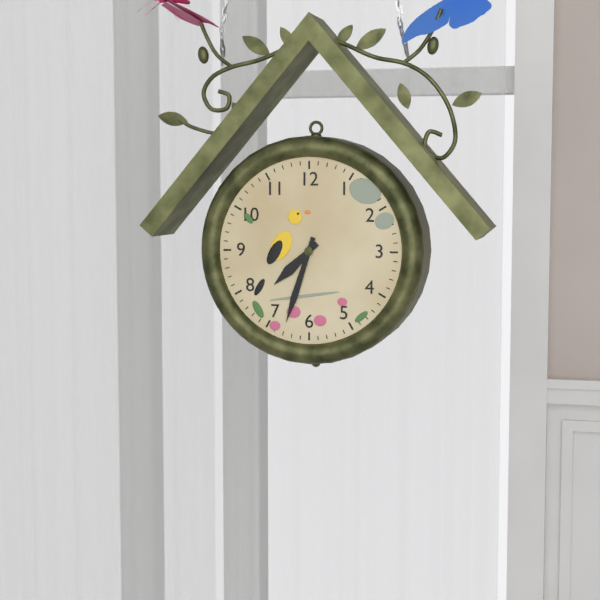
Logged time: 7,33
